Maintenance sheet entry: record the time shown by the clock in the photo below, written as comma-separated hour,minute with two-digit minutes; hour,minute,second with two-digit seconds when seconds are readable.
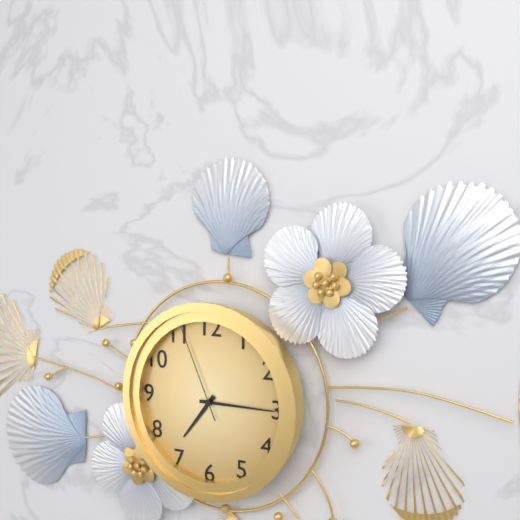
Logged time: 7,15,56
